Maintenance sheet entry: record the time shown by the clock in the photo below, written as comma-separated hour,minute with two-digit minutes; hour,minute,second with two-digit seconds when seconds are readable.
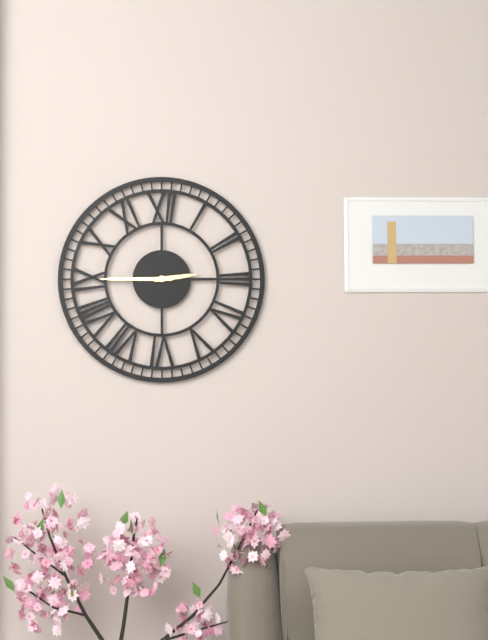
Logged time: 2,45
